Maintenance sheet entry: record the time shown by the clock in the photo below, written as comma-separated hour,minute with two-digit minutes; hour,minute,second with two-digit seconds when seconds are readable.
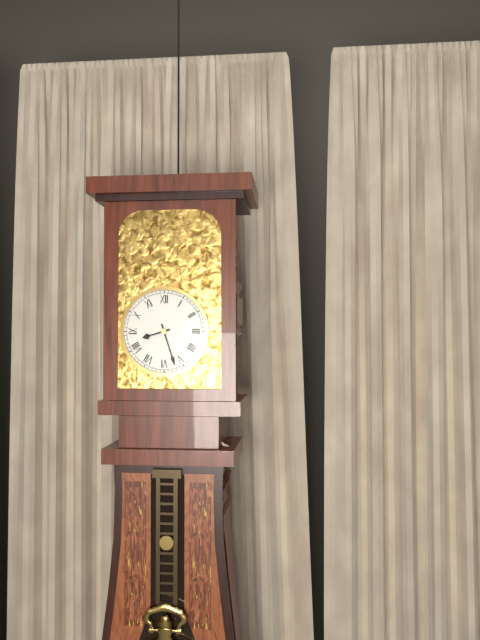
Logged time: 8,27
